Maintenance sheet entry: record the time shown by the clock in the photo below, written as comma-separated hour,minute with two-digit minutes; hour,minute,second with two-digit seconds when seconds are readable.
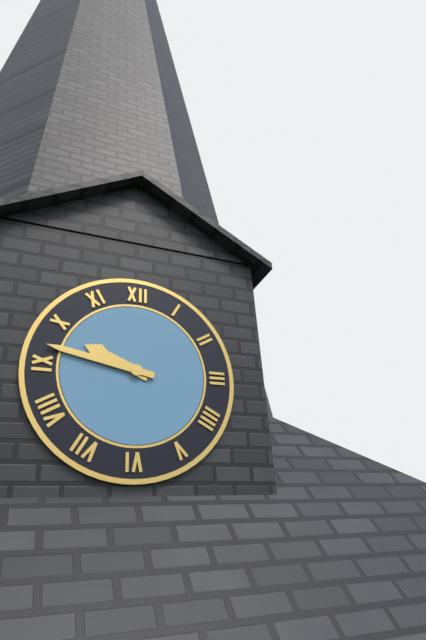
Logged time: 9,47
